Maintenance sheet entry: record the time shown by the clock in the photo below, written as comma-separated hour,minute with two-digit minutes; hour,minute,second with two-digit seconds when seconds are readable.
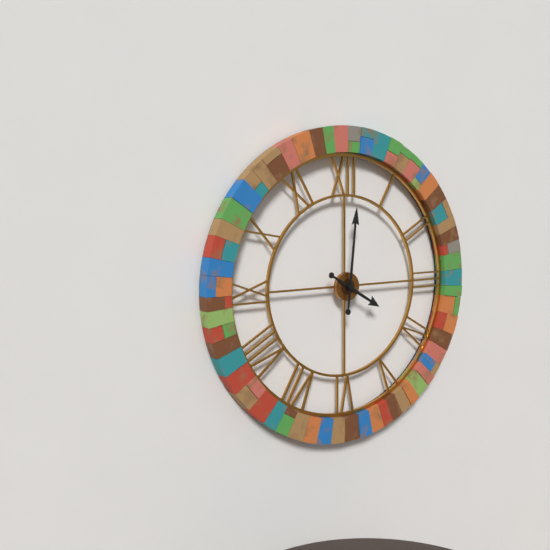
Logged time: 4,01
